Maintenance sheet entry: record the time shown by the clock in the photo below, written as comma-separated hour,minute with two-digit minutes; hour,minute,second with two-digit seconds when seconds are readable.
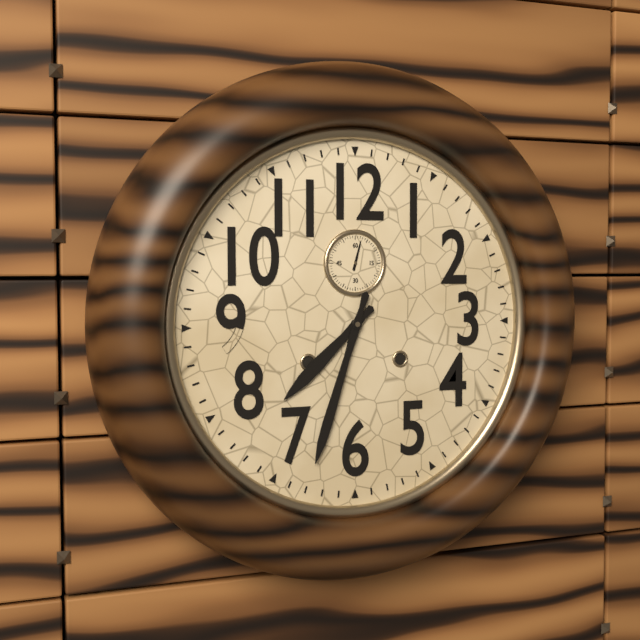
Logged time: 7,33
